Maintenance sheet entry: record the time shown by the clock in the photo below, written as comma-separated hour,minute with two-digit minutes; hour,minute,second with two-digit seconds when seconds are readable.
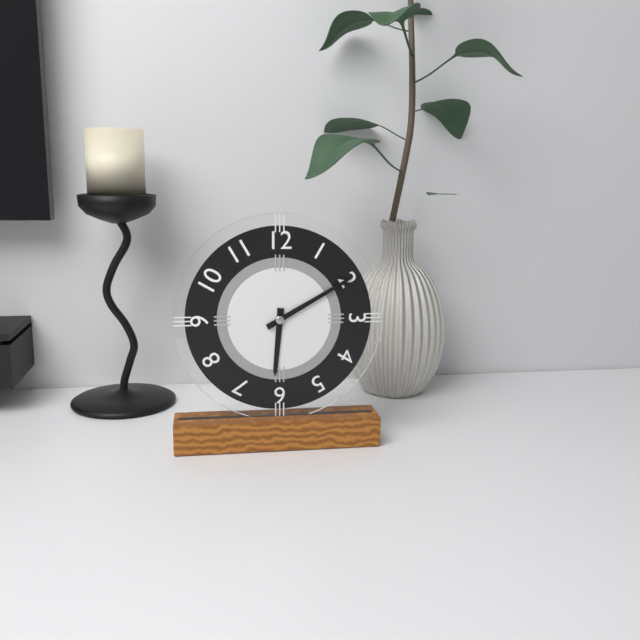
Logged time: 6,10
